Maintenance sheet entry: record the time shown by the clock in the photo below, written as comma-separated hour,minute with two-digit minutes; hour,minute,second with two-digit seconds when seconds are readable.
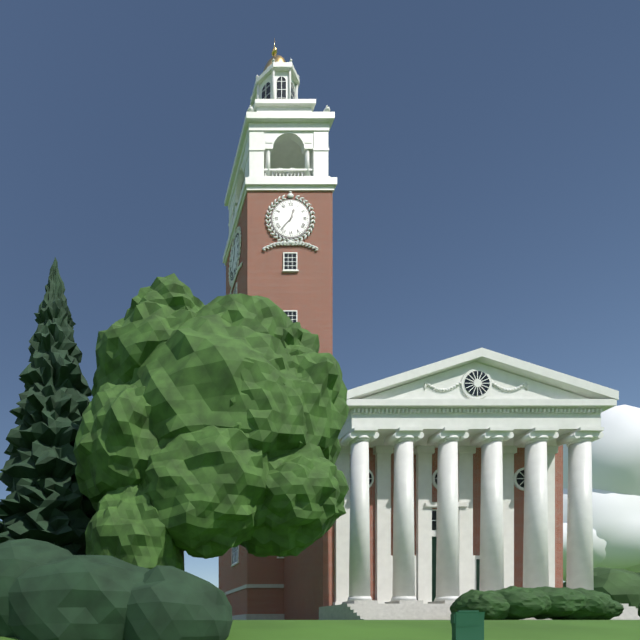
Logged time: 12,37
